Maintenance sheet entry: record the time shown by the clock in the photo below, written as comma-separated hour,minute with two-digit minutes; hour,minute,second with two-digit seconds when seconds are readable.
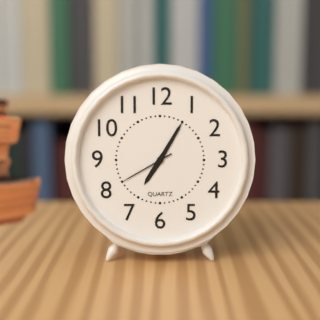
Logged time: 7,05,40
